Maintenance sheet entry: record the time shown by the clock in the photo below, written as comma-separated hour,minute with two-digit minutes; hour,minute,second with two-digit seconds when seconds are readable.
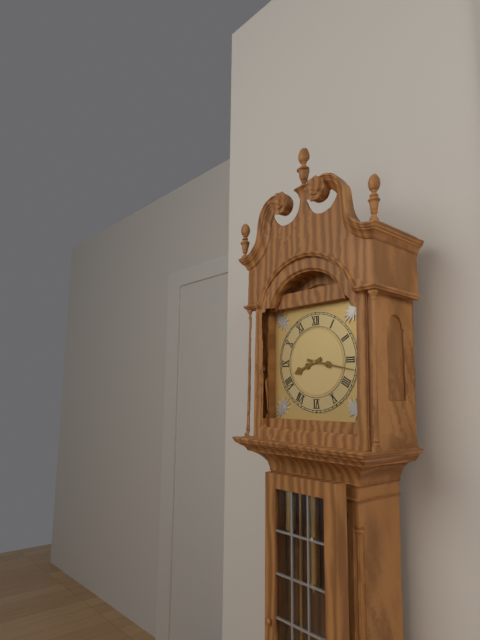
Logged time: 8,17
